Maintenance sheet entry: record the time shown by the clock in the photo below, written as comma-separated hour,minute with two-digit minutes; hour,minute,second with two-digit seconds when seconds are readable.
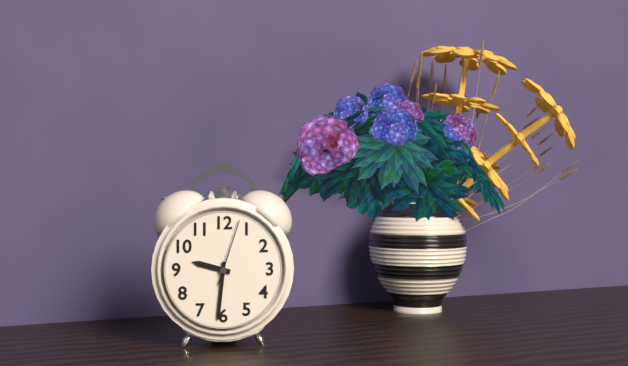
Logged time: 9,31,03
